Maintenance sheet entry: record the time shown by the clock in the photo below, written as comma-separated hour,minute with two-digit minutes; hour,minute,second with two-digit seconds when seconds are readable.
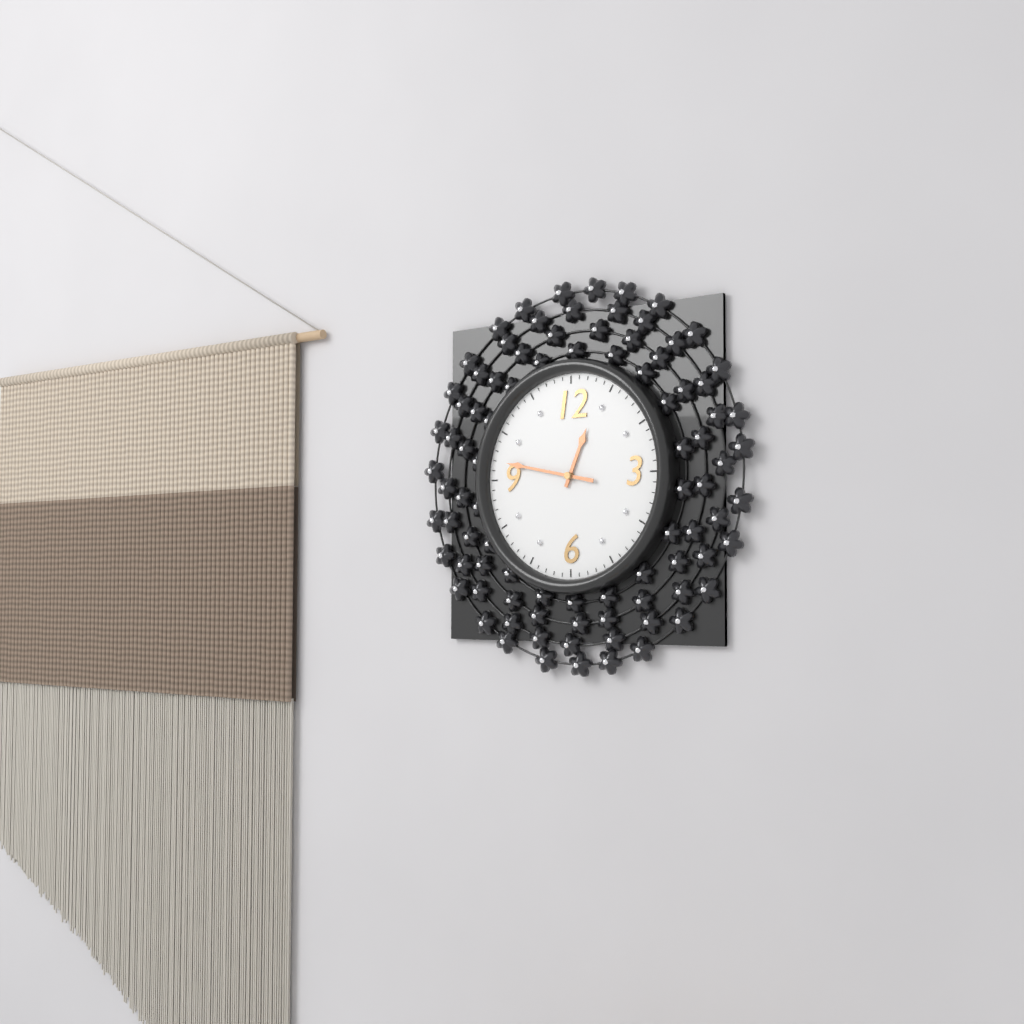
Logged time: 12,47
